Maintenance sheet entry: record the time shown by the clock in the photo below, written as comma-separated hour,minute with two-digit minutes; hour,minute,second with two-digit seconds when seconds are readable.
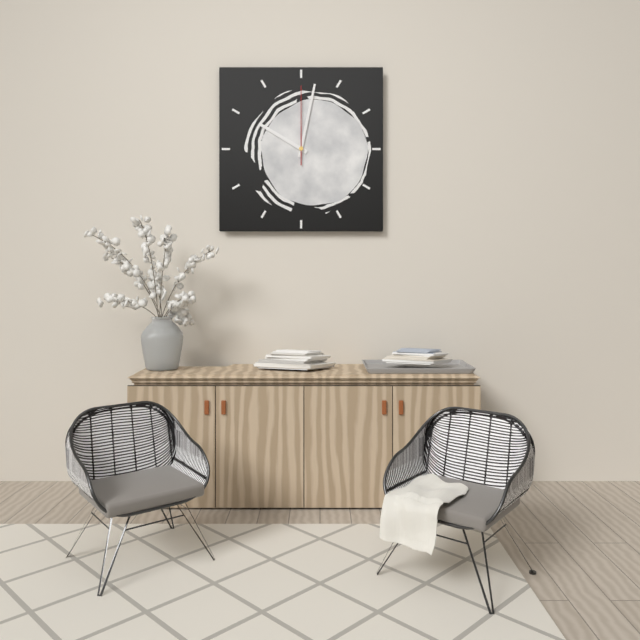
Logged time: 10,02,00
